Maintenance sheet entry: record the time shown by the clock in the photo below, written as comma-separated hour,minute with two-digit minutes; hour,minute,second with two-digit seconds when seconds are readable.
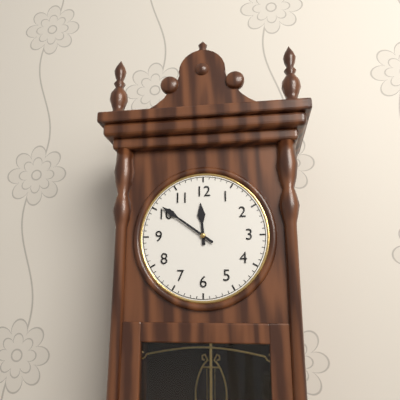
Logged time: 11,51
